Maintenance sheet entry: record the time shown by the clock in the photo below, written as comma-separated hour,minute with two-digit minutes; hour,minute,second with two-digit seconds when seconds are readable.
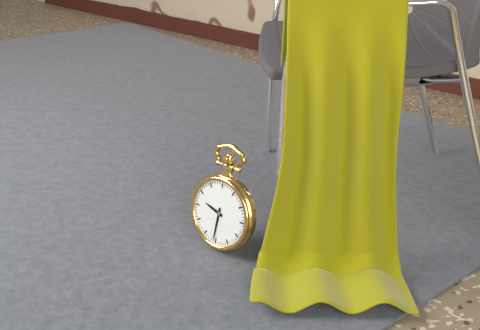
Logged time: 9,31
